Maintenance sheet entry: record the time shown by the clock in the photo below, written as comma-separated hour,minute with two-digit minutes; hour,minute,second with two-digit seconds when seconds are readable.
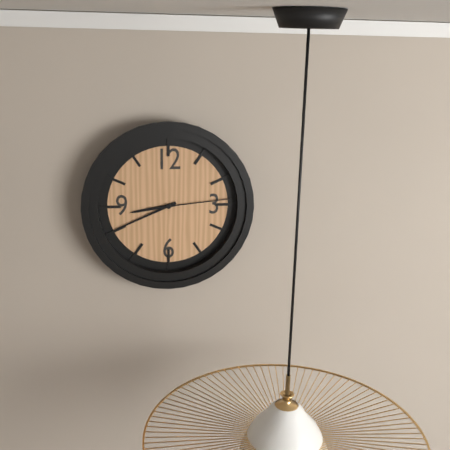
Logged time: 8,41,14
